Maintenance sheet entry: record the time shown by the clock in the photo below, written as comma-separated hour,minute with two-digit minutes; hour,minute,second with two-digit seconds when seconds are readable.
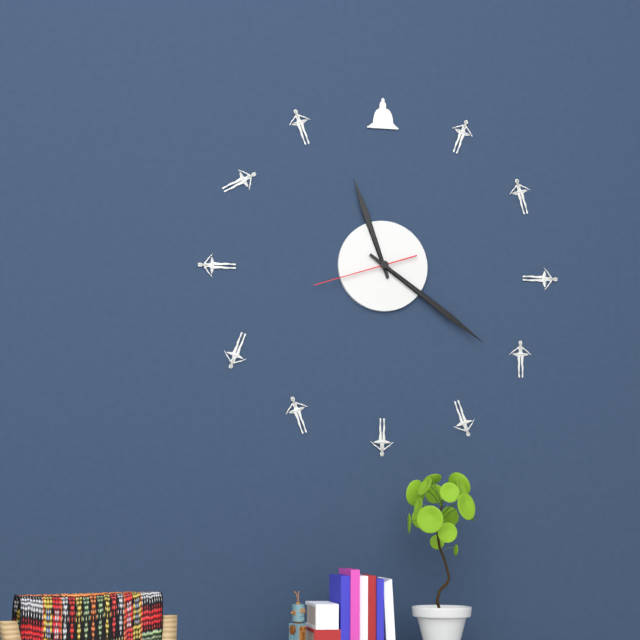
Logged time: 11,21,42
